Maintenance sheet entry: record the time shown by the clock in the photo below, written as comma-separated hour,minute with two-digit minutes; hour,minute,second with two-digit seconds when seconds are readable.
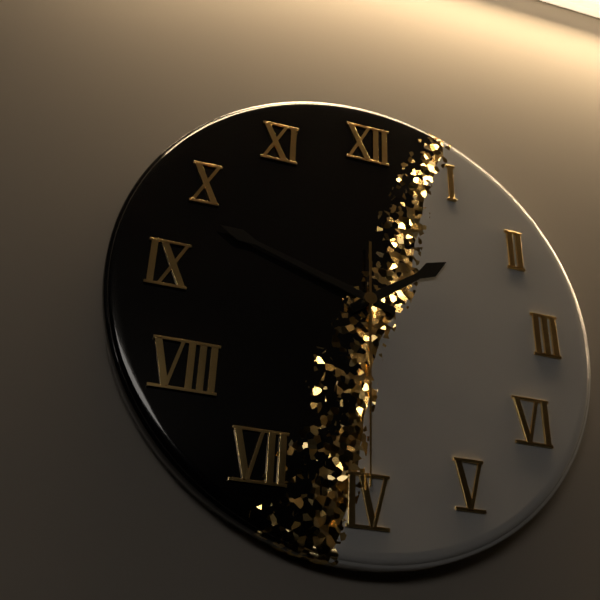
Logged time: 1,48,30
